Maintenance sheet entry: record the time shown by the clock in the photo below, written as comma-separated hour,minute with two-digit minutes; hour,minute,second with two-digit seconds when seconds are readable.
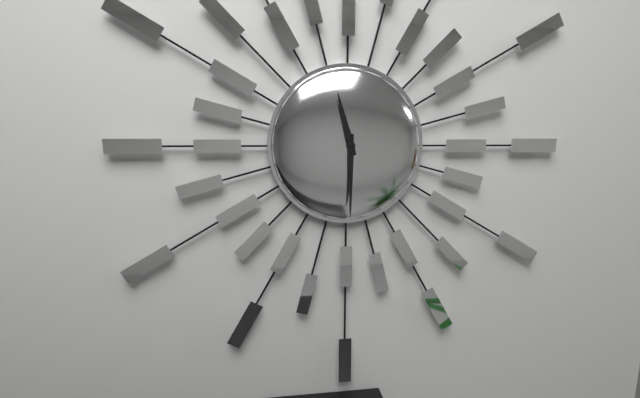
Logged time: 11,30
